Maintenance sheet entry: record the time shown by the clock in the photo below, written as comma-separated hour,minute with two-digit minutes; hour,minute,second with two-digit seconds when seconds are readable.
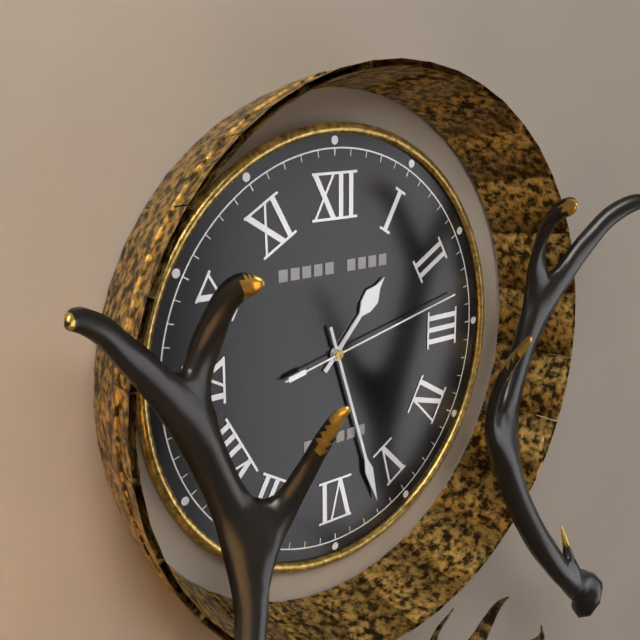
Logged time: 1,27,13
